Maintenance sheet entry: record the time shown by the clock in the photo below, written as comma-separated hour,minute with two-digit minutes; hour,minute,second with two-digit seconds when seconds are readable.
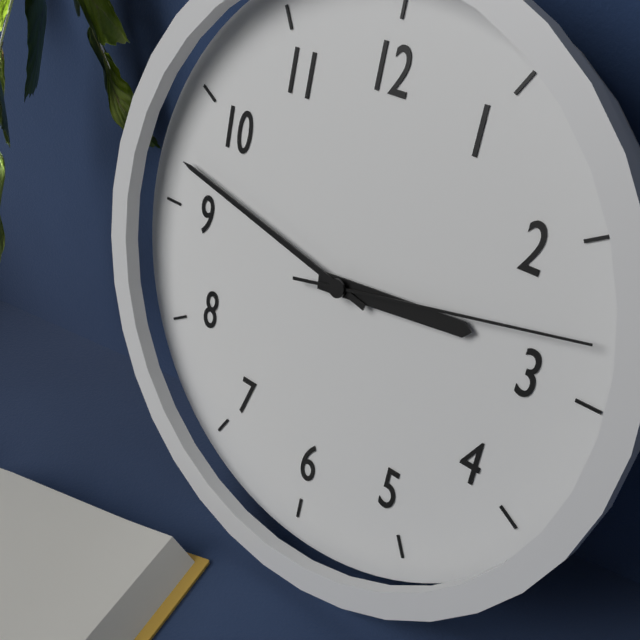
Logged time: 2,47,13
